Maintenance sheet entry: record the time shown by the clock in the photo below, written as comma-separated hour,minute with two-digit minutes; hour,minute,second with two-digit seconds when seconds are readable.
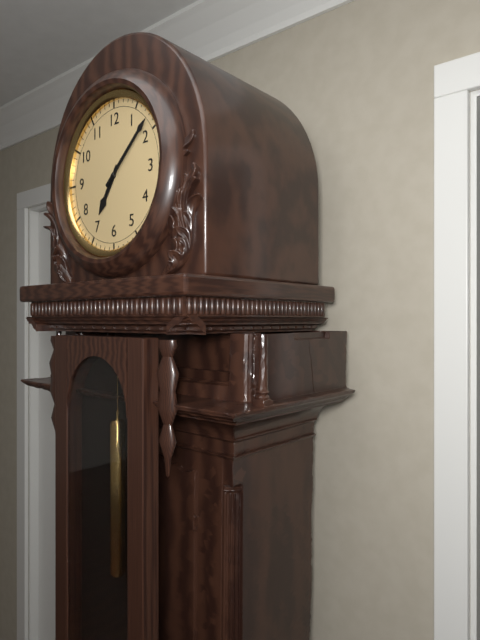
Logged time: 7,08
